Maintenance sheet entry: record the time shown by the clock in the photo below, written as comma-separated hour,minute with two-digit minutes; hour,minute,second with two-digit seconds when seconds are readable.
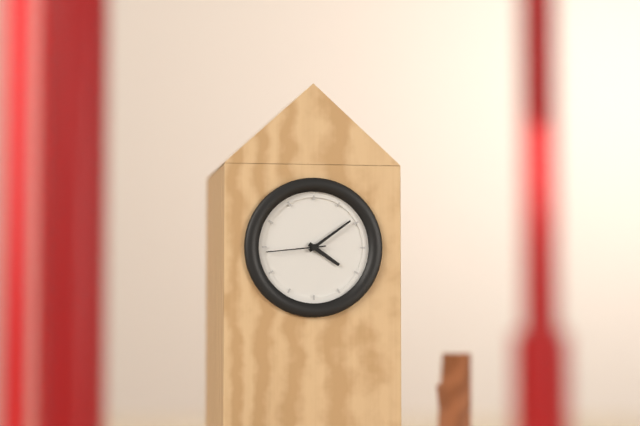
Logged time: 4,09,44
